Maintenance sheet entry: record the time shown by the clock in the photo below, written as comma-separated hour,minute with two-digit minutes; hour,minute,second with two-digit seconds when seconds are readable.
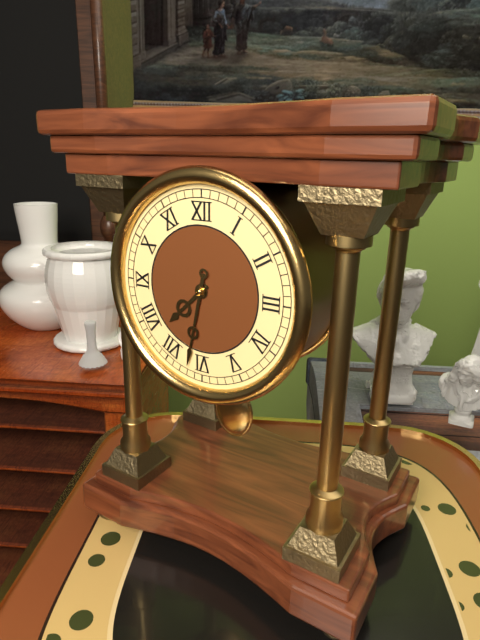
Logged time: 7,32
